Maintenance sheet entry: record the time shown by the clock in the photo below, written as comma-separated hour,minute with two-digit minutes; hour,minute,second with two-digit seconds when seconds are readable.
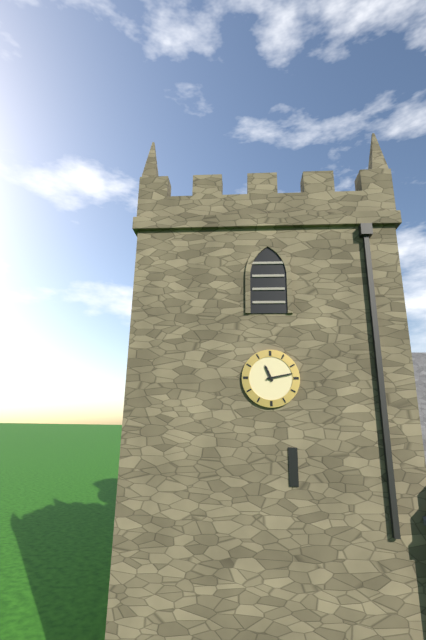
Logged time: 11,13
